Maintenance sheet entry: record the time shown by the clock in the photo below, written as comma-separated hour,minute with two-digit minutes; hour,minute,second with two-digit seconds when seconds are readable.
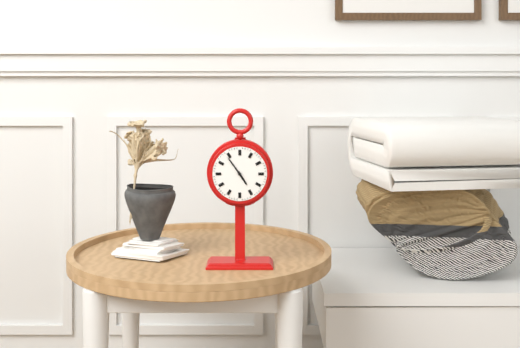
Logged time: 4,54
